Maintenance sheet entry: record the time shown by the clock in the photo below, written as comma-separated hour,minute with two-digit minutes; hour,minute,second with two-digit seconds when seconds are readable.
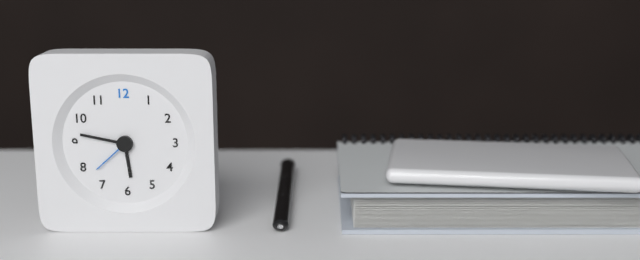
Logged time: 5,47
